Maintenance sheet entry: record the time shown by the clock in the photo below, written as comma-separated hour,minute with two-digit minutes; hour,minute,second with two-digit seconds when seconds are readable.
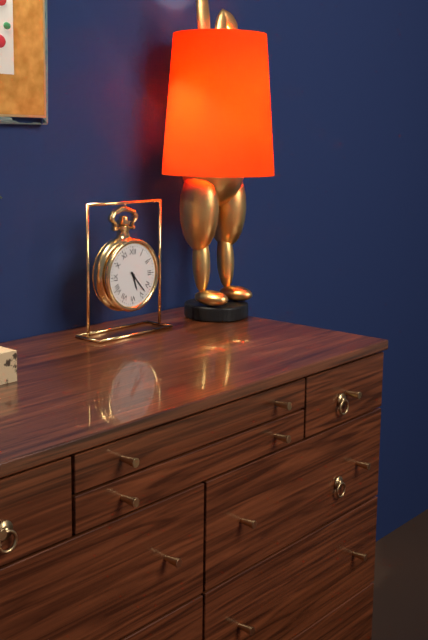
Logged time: 5,23
